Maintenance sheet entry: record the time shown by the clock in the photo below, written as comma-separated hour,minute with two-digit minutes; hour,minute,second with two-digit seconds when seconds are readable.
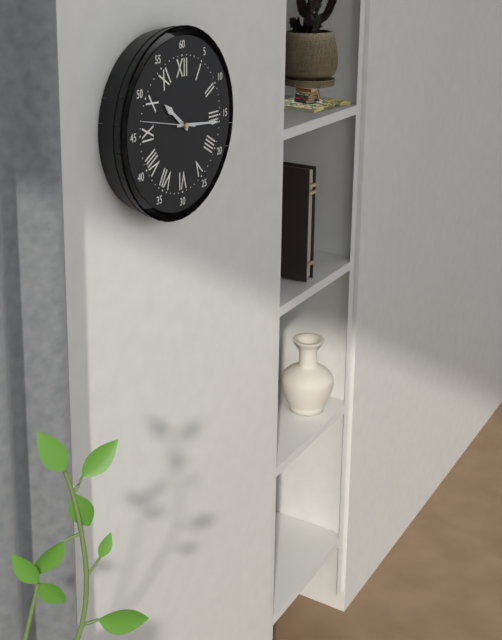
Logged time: 10,16,47
